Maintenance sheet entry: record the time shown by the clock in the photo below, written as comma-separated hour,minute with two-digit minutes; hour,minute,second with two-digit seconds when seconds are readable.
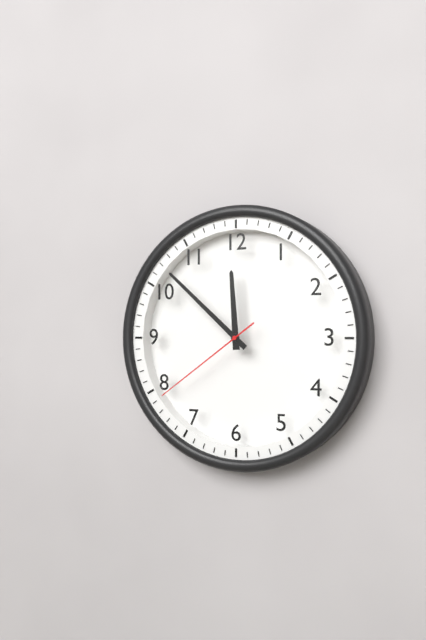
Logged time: 11,52,39
